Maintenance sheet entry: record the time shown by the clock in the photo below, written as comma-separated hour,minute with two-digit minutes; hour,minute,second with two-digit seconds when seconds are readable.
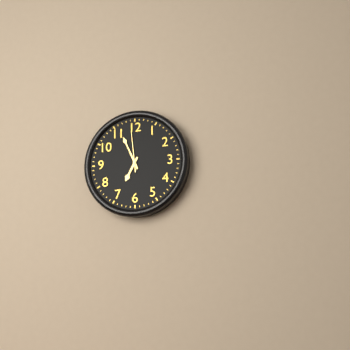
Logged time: 6,56
